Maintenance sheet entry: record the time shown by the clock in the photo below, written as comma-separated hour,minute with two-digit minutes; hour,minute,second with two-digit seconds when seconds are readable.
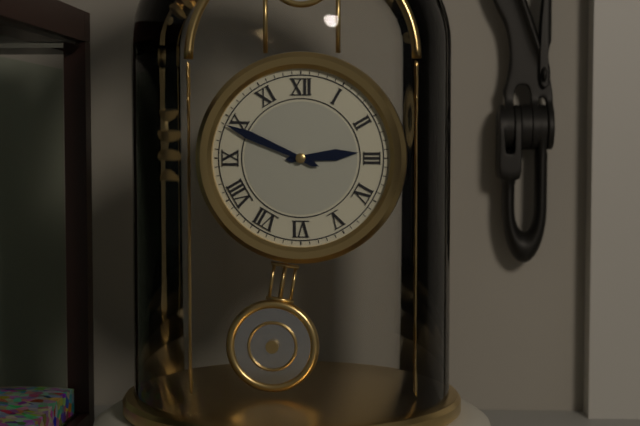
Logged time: 2,49
